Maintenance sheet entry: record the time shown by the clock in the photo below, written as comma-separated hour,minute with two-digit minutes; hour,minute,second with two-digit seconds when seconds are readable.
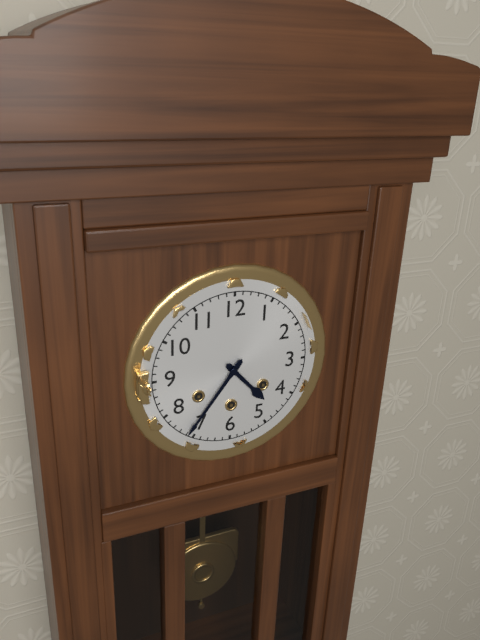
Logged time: 4,36
